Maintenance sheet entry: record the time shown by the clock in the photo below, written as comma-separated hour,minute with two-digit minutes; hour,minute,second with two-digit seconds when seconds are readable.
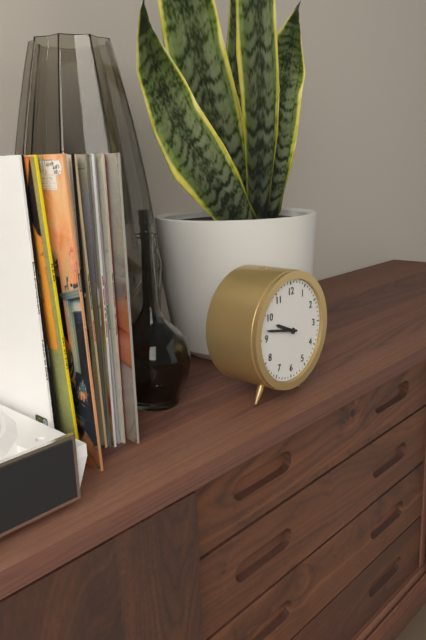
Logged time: 9,47
